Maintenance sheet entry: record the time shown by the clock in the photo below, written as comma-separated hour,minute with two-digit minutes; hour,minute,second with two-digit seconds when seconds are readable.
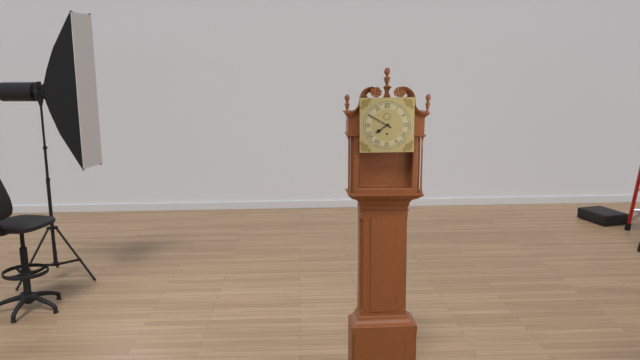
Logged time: 7,50
